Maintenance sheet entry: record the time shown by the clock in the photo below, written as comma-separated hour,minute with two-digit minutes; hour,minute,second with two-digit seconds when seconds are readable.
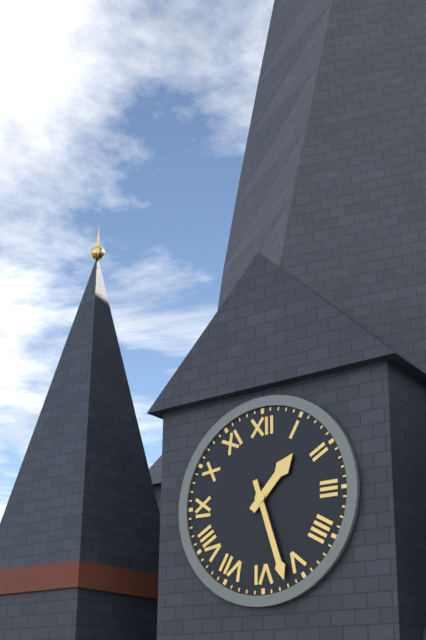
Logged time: 1,27
